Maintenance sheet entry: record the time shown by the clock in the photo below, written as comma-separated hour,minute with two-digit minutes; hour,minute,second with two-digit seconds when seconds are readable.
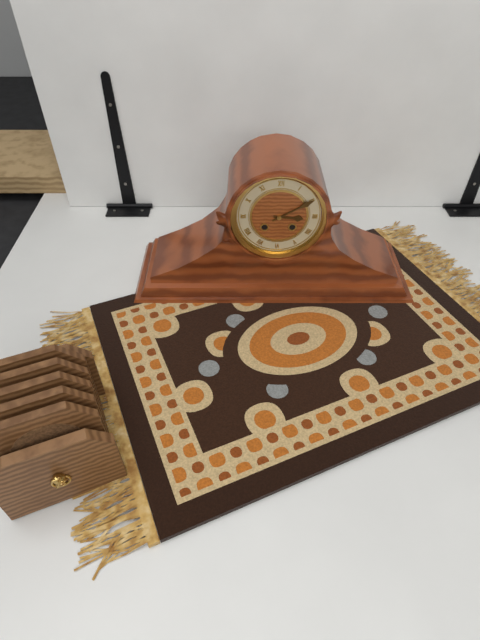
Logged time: 3,10
